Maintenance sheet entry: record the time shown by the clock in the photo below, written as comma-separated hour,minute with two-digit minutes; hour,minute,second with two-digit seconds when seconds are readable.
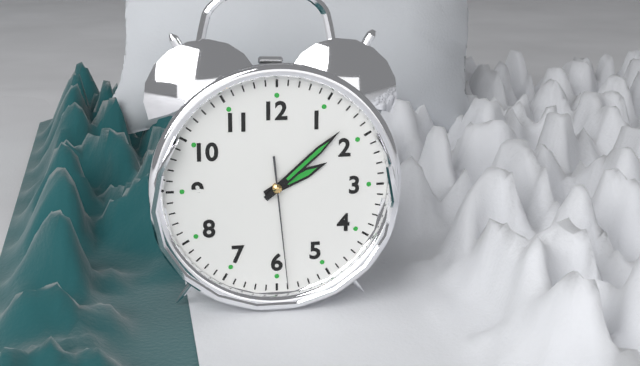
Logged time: 2,08,29
